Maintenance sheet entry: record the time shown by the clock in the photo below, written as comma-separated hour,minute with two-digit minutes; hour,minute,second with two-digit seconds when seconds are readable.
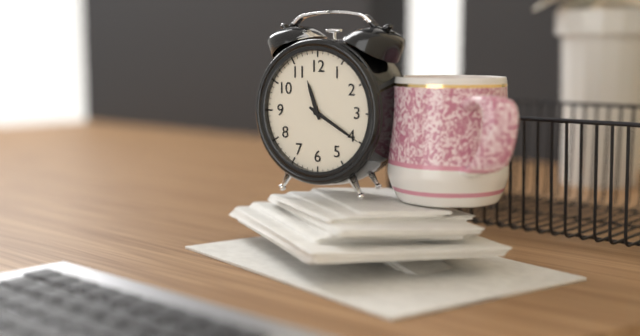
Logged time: 11,20
